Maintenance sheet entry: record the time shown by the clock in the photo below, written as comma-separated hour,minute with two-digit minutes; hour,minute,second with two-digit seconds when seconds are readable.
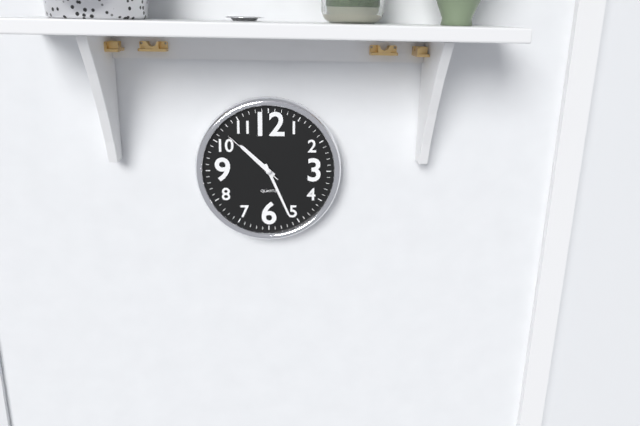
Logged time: 10,26,52
